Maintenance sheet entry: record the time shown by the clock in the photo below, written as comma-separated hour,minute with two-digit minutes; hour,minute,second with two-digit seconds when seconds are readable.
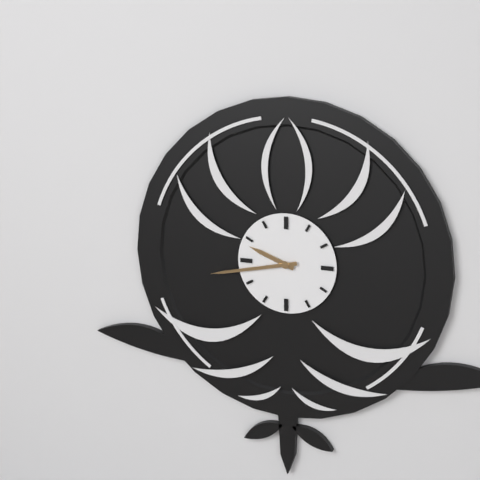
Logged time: 9,43
